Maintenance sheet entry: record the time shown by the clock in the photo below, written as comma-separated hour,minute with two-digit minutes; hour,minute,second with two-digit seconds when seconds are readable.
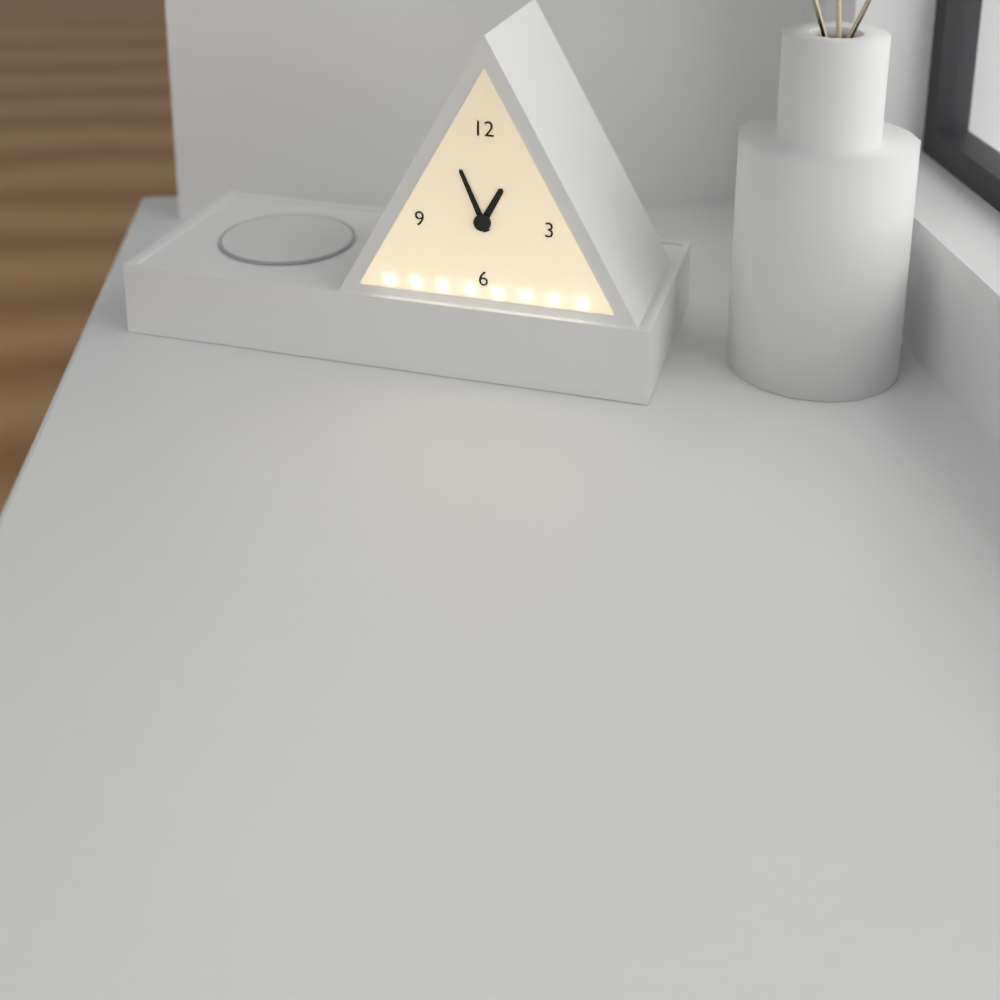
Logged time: 12,56
